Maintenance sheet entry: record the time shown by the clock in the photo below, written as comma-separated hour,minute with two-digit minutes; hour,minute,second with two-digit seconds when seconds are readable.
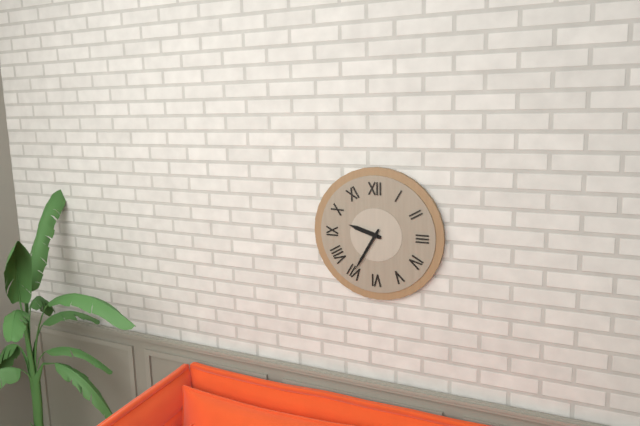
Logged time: 9,35
